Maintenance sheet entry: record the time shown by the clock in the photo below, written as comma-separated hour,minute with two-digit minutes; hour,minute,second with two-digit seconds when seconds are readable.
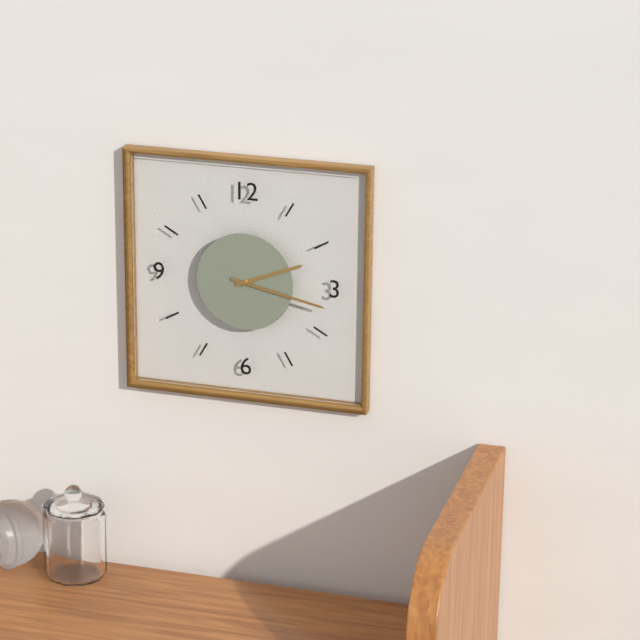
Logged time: 2,17
